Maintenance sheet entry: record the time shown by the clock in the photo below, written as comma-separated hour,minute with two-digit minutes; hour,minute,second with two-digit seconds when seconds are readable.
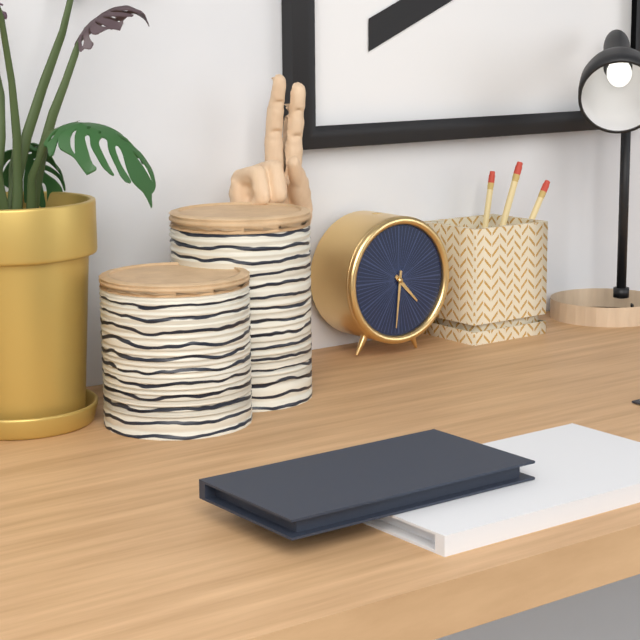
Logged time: 4,31
